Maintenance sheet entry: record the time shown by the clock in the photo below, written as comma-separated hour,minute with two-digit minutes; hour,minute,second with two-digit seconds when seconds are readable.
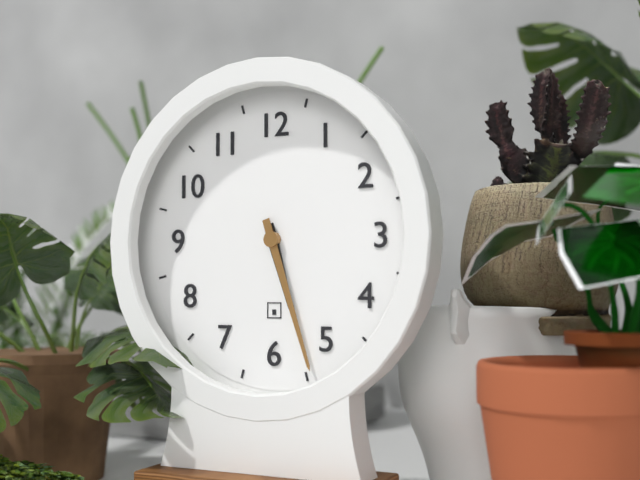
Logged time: 5,27
